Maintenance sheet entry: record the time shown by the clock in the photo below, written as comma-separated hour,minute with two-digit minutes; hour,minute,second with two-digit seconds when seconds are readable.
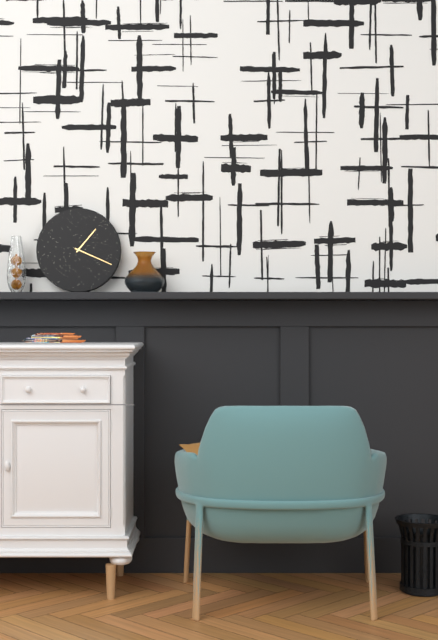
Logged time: 1,19
